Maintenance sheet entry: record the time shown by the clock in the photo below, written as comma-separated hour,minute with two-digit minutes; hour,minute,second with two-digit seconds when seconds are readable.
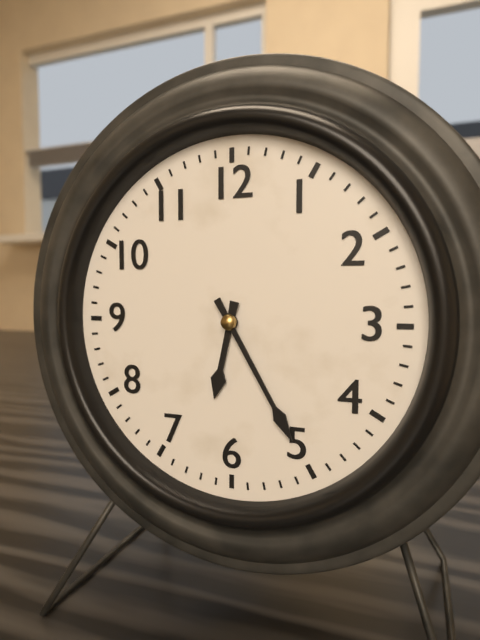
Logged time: 6,25
